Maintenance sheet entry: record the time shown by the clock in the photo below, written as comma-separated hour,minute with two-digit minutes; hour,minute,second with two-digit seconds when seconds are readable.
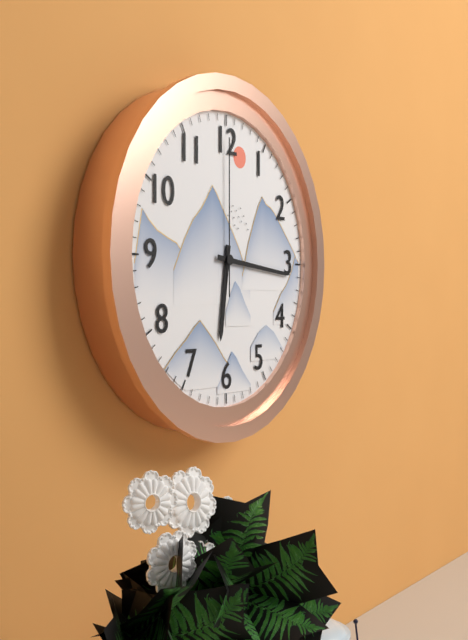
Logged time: 6,16,00
